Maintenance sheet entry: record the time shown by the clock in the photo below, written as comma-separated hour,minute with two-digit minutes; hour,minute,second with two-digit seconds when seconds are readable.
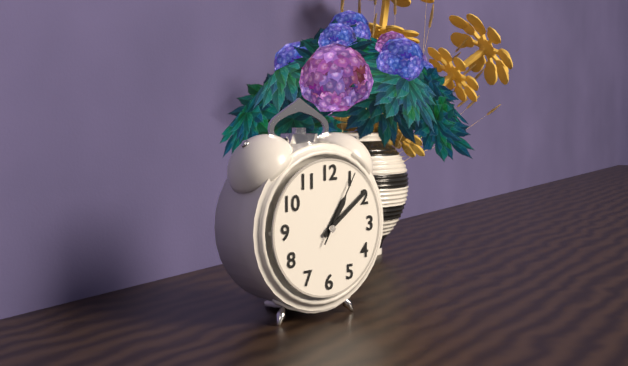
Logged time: 1,09,05
